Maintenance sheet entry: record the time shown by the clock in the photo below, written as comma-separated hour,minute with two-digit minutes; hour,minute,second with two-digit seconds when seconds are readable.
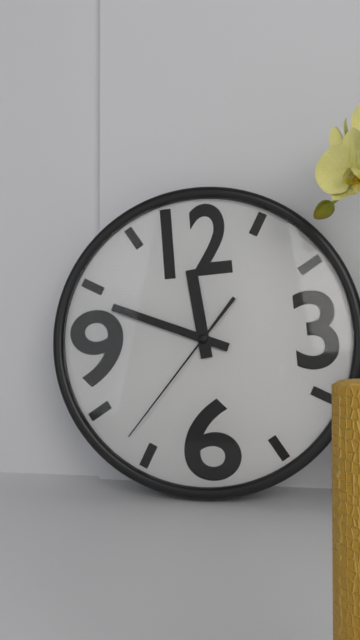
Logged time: 11,49,37
